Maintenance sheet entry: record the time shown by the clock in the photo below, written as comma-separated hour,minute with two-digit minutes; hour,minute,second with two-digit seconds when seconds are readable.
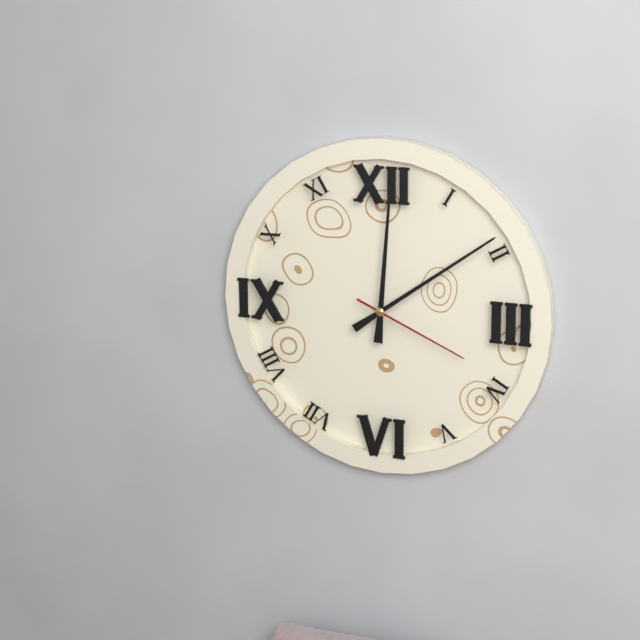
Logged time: 12,09,19
